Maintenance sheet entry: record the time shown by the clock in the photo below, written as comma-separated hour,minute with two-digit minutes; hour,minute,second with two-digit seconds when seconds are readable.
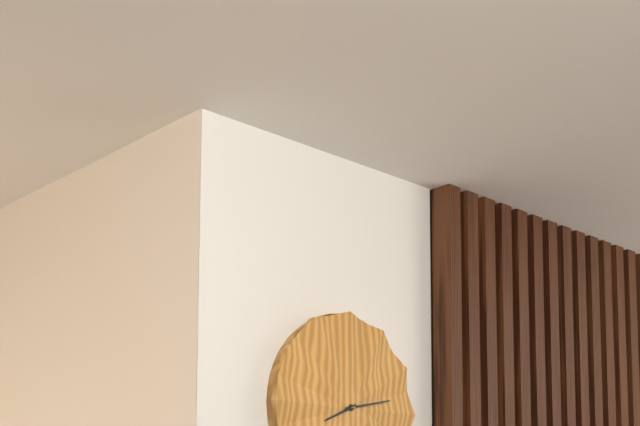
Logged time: 8,13
